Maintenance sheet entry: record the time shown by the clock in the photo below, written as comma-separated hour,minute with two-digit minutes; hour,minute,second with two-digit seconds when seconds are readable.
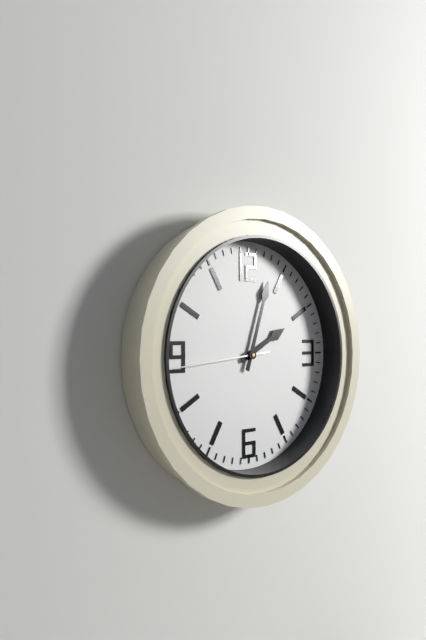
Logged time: 2,03,44
